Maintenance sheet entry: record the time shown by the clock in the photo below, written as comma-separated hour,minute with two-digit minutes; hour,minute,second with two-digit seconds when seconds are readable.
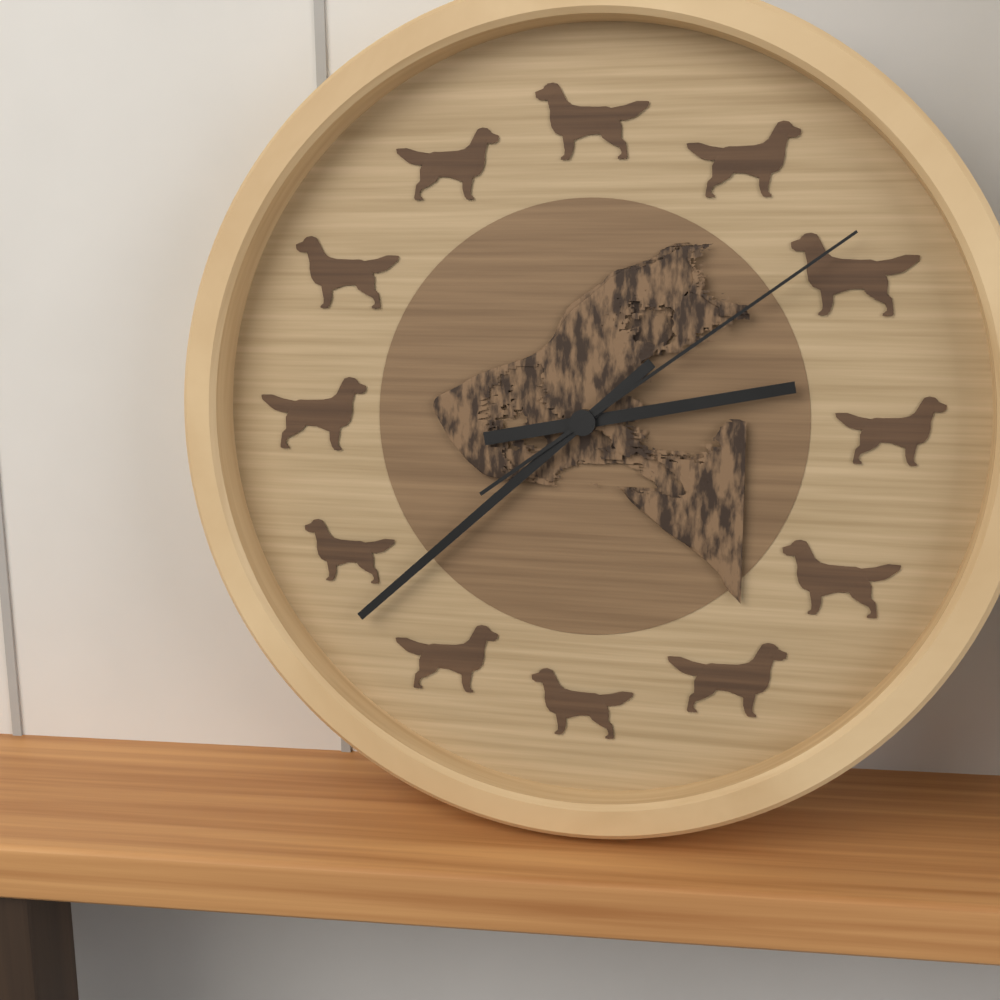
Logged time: 2,38,09
